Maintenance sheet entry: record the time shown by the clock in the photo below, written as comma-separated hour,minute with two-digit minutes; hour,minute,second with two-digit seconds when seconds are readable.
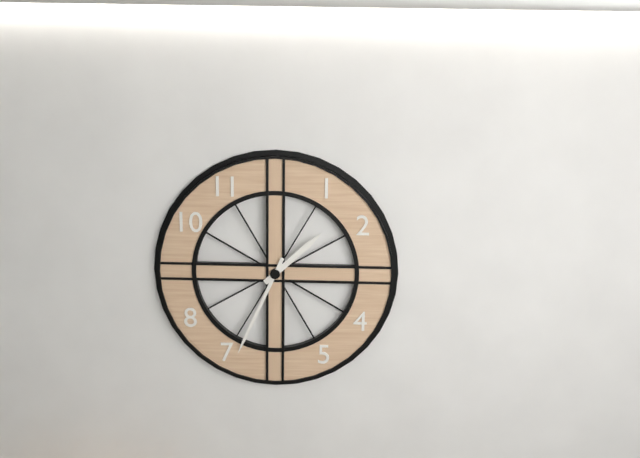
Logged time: 1,34
